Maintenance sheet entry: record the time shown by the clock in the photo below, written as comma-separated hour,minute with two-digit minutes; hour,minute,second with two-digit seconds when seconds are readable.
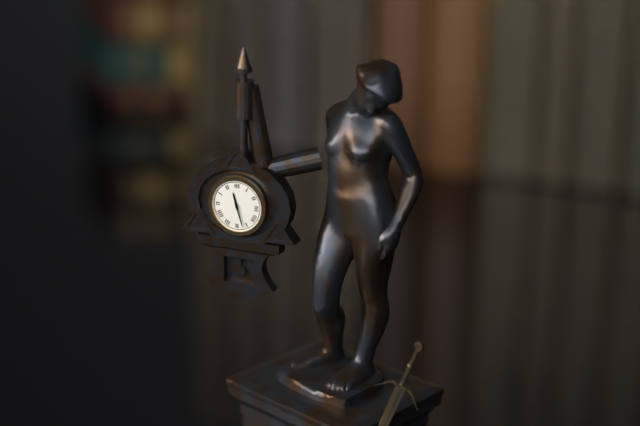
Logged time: 11,27
